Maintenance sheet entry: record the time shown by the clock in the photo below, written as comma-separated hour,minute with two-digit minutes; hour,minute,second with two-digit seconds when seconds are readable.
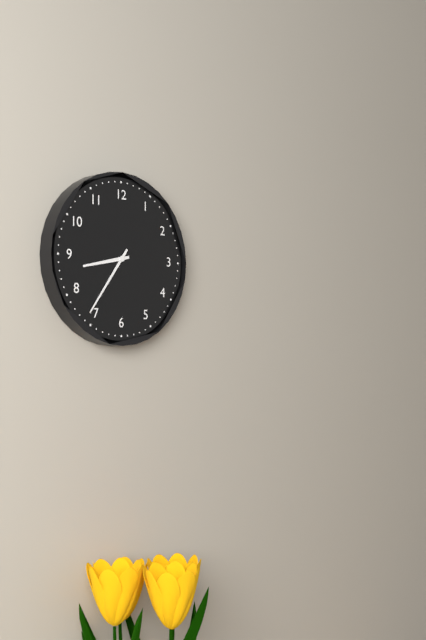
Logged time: 8,36
